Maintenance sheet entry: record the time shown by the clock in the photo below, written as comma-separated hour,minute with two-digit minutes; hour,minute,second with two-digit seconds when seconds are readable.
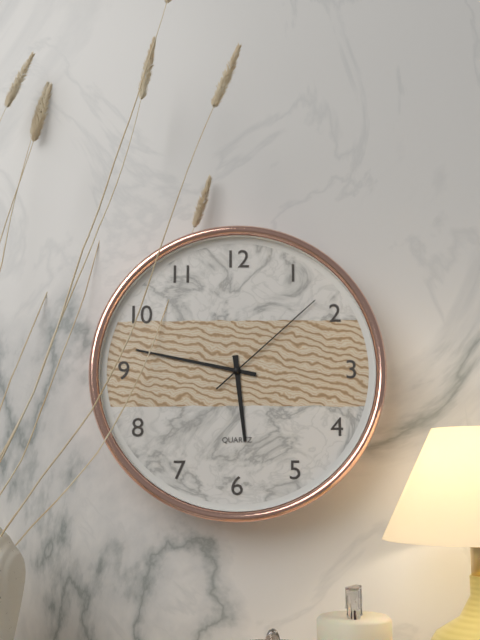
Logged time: 5,47,08
